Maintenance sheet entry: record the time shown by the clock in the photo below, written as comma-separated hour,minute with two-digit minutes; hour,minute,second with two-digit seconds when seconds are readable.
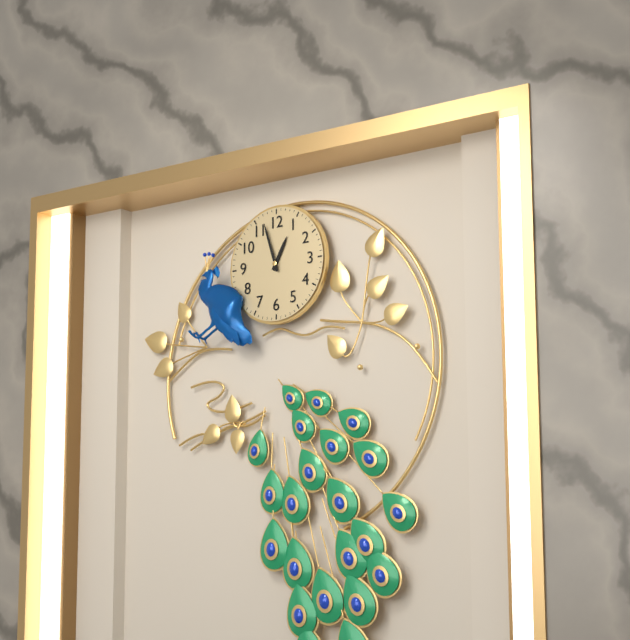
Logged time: 12,57
